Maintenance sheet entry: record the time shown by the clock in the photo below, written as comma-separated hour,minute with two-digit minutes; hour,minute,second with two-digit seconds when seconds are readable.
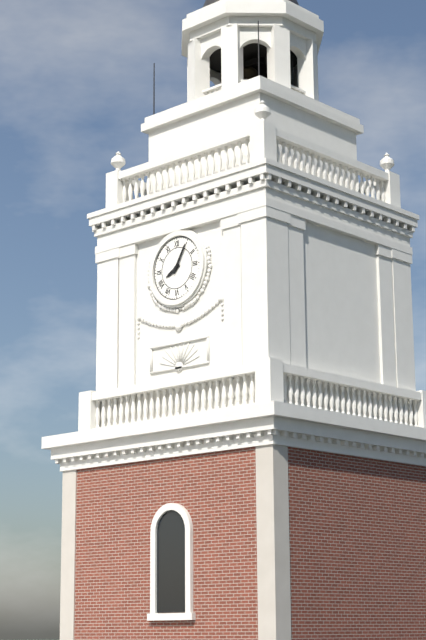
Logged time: 8,05
